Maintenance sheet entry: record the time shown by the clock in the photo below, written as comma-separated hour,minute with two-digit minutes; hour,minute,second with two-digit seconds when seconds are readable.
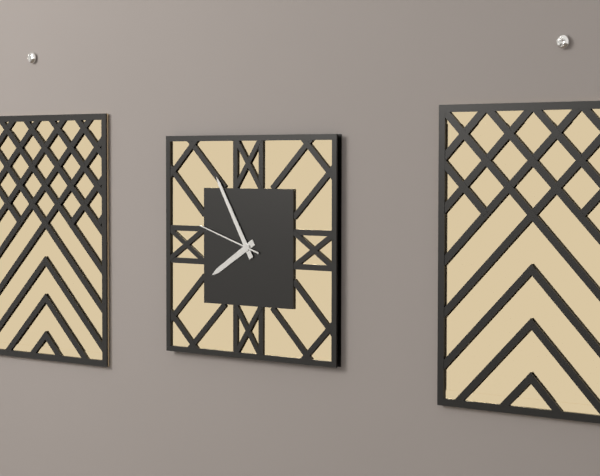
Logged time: 7,55,48
